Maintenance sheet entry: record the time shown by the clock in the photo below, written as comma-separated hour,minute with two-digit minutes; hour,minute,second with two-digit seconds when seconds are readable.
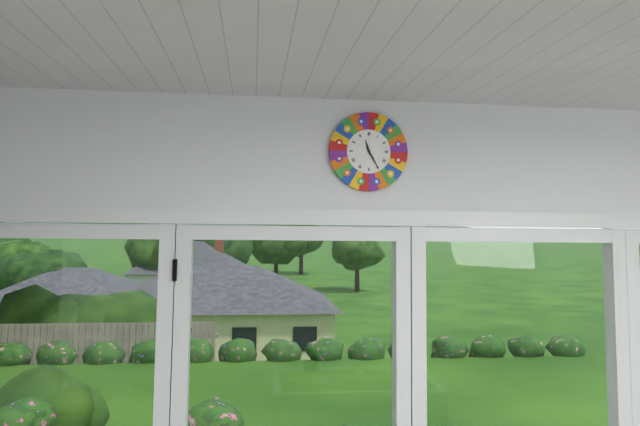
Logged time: 11,25
